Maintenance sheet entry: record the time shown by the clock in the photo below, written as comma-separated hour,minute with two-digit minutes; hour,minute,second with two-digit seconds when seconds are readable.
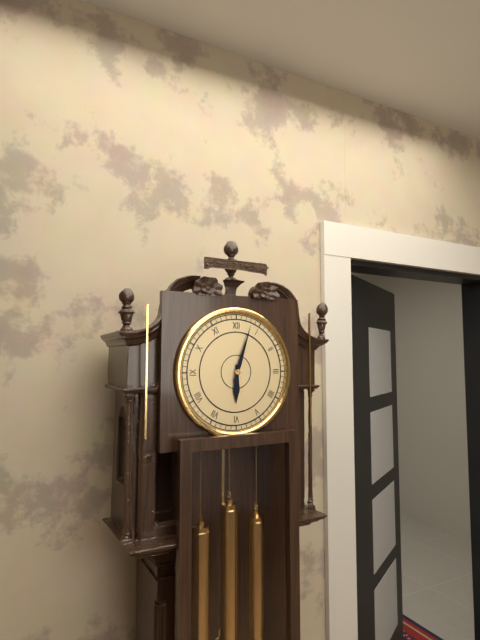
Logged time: 6,03
